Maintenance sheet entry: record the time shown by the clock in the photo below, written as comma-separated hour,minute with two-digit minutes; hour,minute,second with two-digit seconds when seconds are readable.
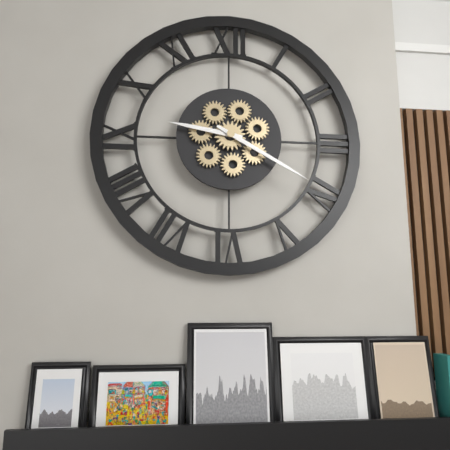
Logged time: 9,20
